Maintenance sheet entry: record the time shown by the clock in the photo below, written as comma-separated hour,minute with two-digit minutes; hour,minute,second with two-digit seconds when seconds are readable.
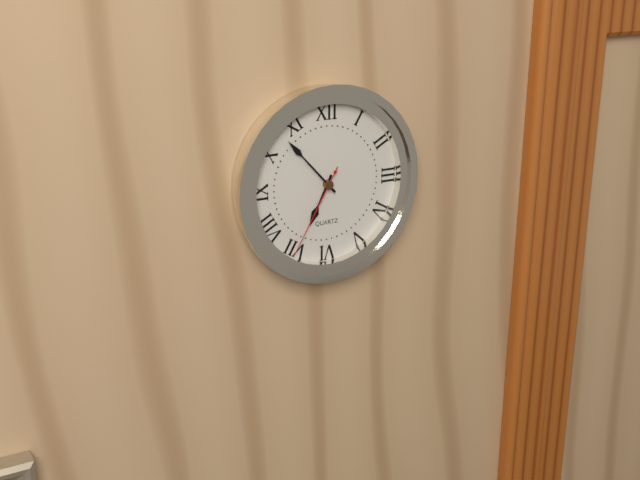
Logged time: 6,53,35
